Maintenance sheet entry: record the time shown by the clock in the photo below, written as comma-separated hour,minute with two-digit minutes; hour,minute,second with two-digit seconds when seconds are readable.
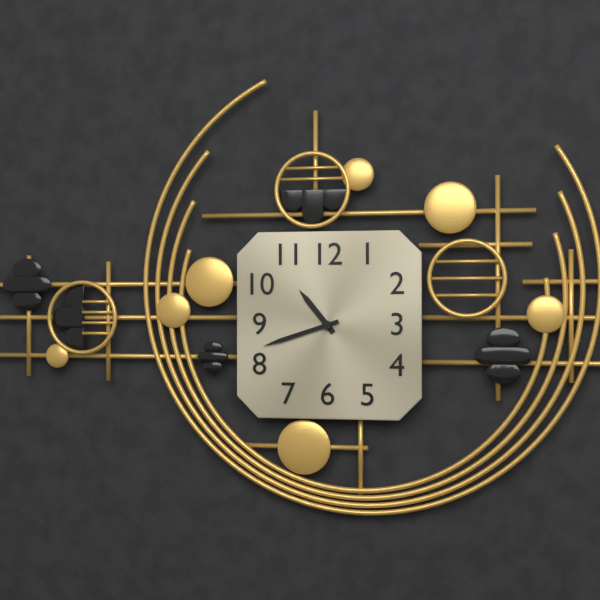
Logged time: 10,42
